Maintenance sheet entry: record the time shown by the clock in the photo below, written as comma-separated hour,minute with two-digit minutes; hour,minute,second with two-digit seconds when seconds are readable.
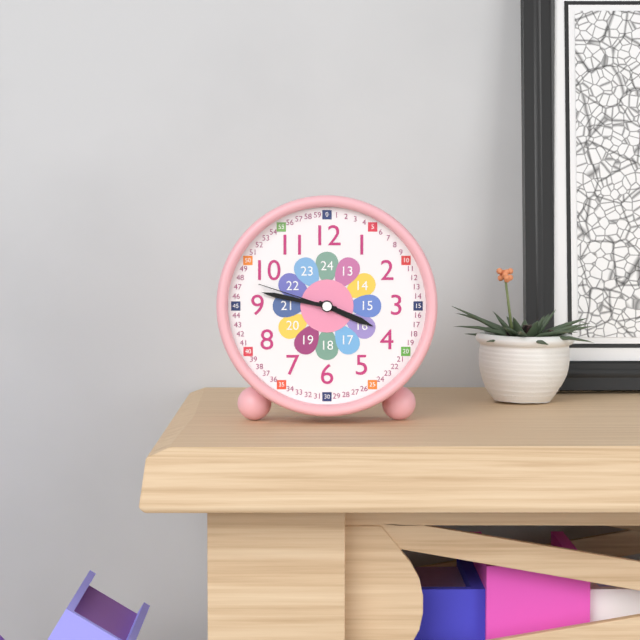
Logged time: 3,47,48
